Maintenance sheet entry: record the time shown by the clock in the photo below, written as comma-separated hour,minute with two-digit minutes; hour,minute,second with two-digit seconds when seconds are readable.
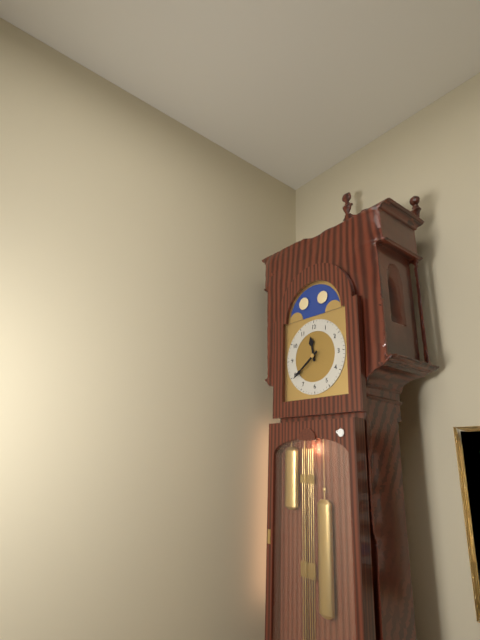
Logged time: 11,39
